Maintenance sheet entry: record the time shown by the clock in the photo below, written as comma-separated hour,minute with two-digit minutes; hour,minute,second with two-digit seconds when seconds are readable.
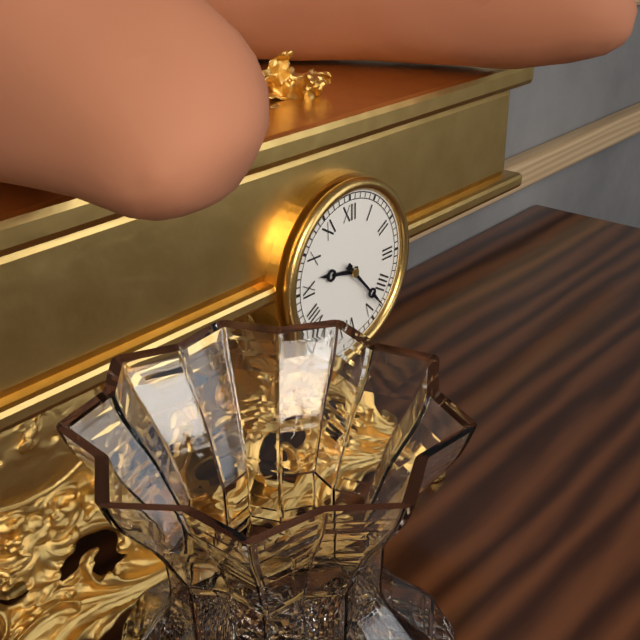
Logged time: 9,23
